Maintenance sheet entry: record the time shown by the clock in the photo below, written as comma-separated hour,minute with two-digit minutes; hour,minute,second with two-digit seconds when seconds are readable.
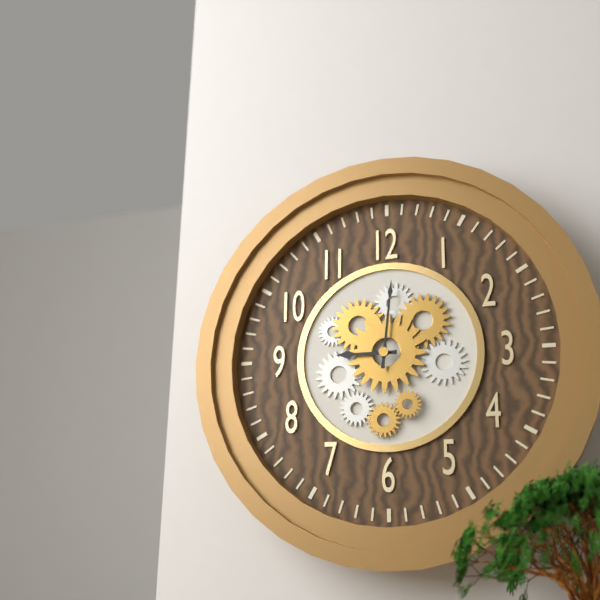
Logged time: 9,01
